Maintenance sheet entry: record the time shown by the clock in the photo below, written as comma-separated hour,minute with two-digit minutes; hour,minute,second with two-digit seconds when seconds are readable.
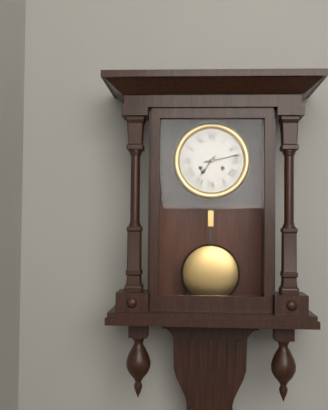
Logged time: 7,13
